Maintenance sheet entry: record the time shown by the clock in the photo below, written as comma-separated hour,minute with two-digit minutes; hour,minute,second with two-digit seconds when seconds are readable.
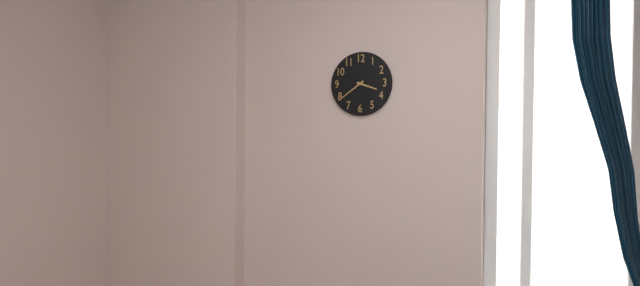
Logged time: 3,39
